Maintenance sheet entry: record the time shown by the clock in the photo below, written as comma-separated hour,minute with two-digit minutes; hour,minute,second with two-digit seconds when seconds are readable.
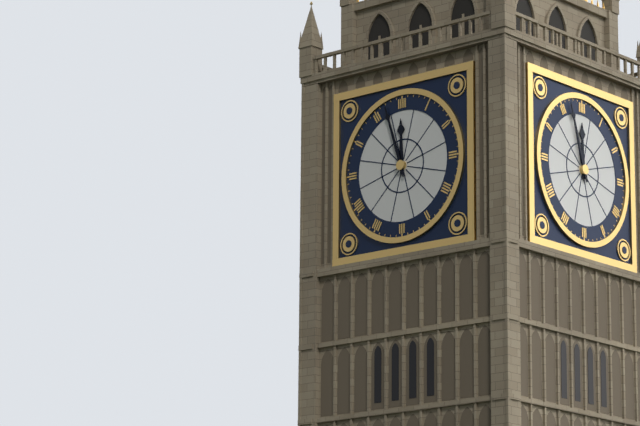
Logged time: 11,57
